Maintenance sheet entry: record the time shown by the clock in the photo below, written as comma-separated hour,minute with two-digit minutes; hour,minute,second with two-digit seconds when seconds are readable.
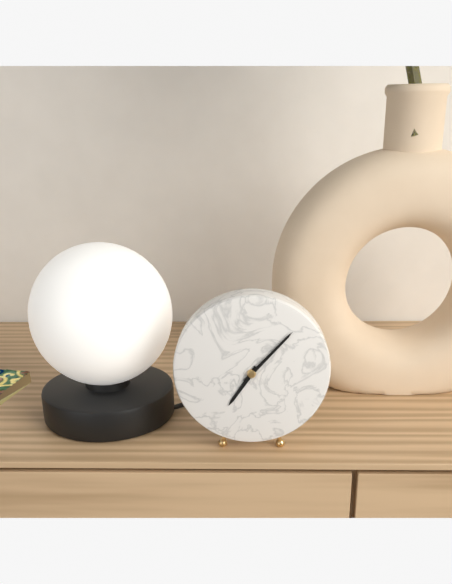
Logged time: 7,07
